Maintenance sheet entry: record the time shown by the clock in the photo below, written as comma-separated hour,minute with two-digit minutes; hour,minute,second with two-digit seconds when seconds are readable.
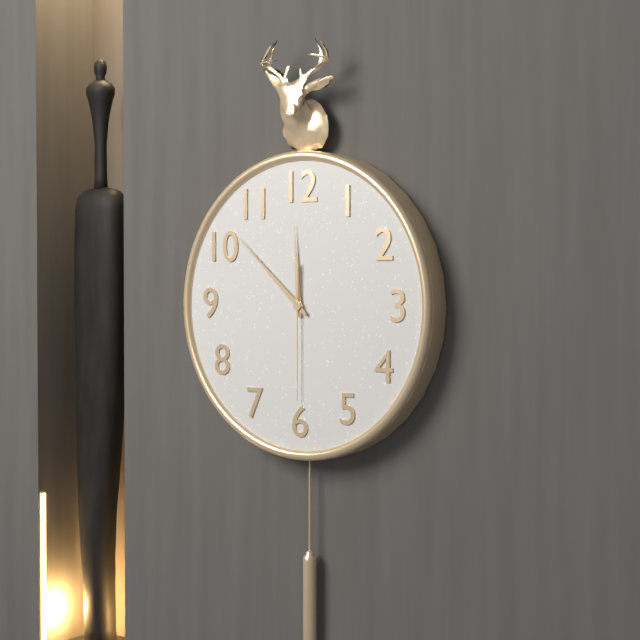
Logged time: 11,52,30
